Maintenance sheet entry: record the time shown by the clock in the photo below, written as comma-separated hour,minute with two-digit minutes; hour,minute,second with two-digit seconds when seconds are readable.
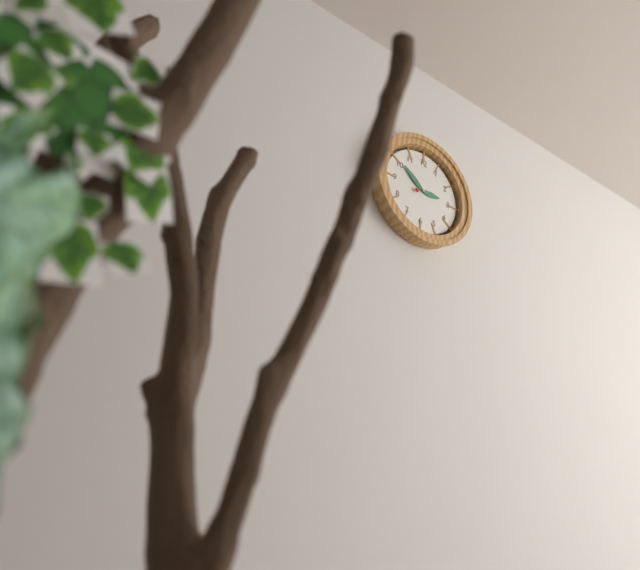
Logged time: 2,51
